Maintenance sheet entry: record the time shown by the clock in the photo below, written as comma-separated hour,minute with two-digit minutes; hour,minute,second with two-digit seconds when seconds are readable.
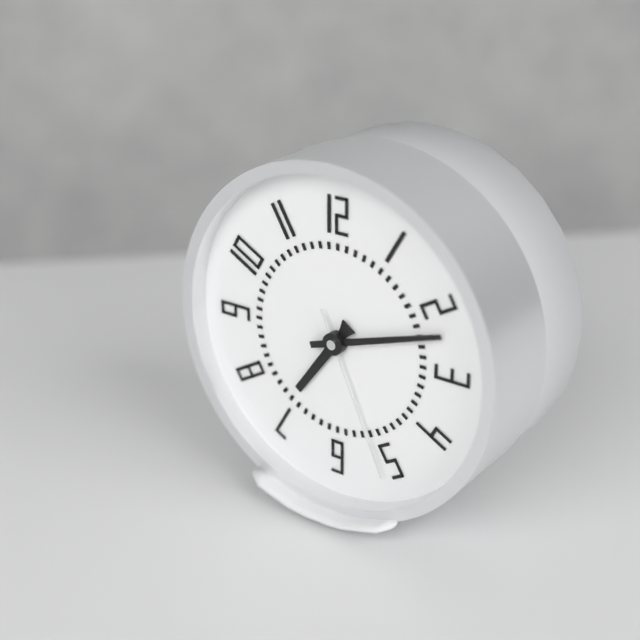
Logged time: 7,12,26
